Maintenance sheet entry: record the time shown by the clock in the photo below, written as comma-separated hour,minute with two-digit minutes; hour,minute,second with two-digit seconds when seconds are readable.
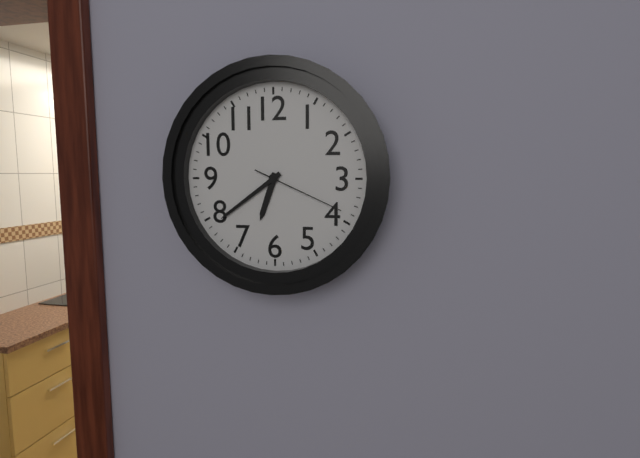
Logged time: 6,39,19
